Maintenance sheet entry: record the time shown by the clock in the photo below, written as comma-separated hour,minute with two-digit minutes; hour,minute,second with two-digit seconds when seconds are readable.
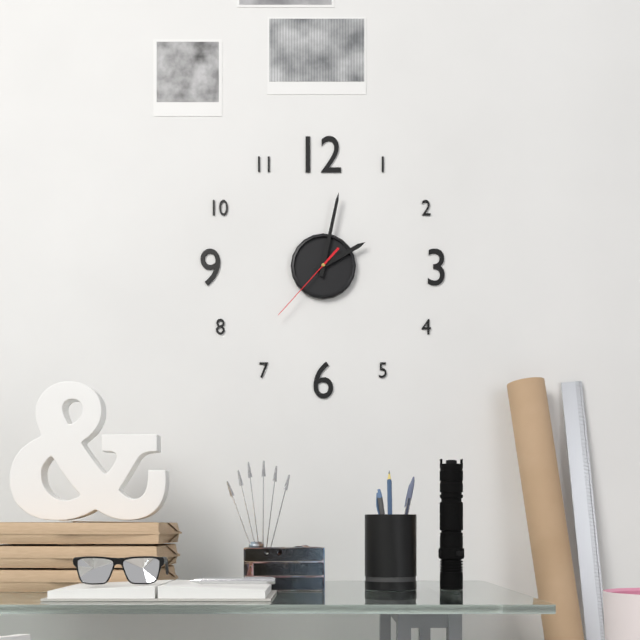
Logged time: 2,02,37
